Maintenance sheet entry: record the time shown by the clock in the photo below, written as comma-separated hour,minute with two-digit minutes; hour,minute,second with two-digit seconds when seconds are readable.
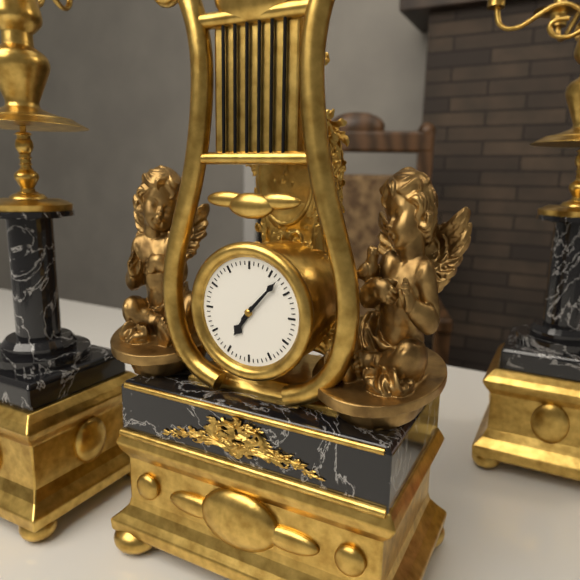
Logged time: 7,07
